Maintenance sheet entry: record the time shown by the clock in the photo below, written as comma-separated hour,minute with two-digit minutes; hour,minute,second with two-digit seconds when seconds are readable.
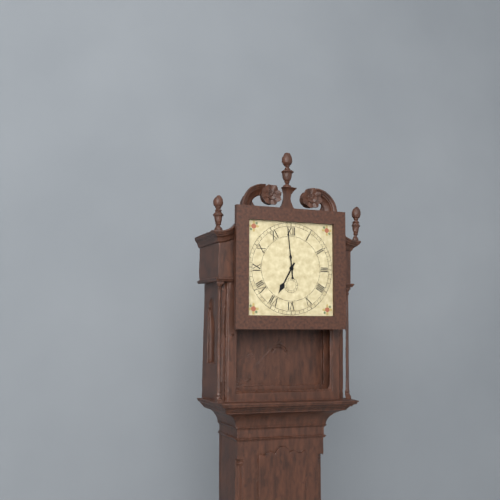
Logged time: 6,59
